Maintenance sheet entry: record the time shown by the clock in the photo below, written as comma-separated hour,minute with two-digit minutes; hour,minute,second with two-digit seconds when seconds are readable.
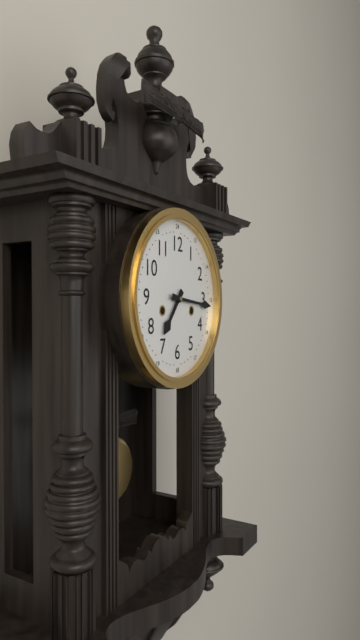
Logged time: 7,16
